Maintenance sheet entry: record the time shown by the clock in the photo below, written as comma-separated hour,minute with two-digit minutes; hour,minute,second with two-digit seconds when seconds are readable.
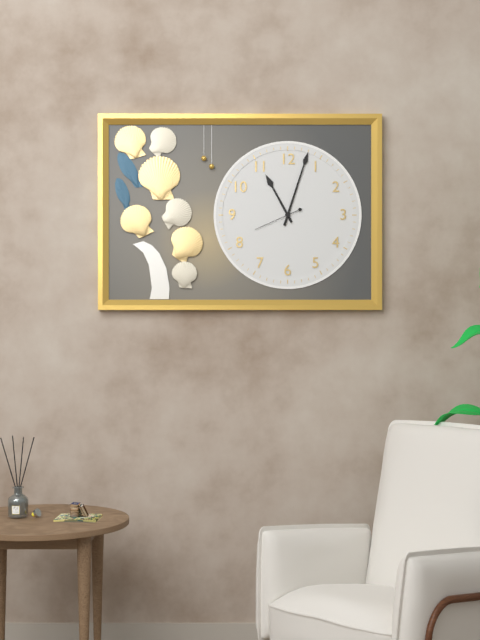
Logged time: 11,03
